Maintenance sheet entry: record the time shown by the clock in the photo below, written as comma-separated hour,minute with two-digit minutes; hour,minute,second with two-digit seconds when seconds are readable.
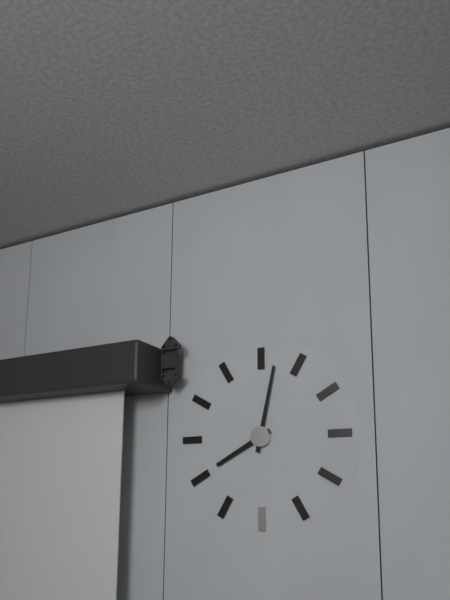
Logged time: 8,02
